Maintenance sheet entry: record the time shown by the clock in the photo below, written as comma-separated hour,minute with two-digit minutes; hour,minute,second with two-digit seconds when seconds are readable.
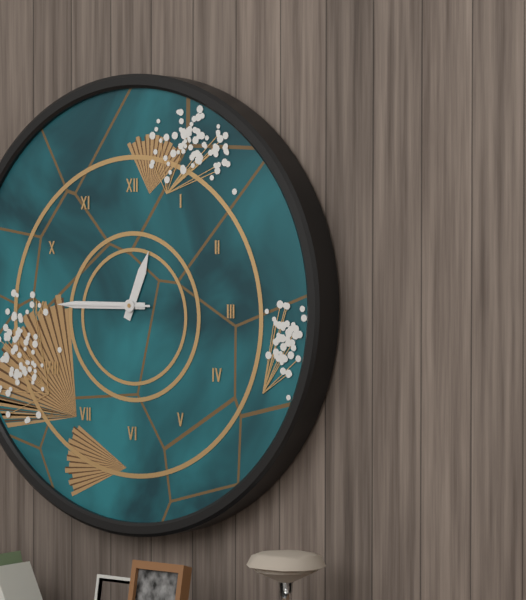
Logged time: 12,45,45
